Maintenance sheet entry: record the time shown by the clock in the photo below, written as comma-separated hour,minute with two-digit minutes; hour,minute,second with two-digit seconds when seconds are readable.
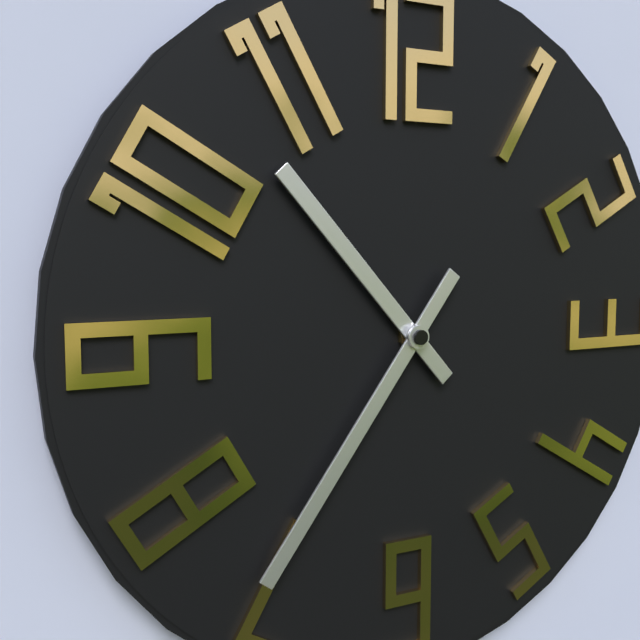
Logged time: 10,36
